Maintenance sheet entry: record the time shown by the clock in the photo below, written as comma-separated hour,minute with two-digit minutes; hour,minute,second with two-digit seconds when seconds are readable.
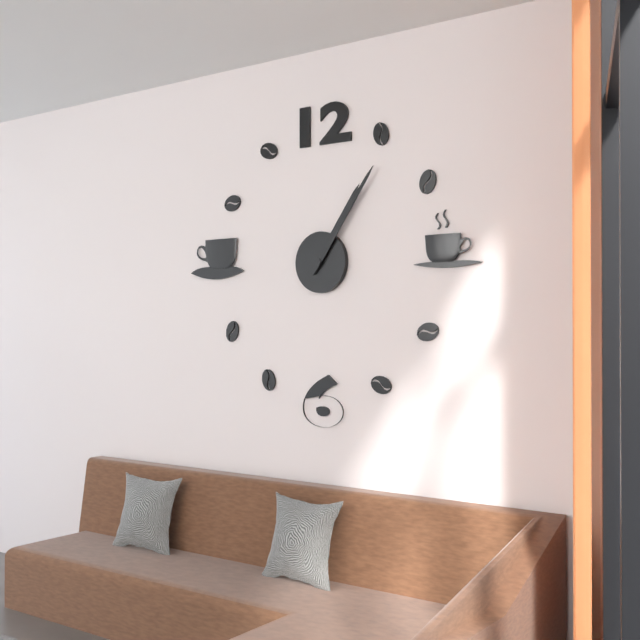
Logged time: 1,06
